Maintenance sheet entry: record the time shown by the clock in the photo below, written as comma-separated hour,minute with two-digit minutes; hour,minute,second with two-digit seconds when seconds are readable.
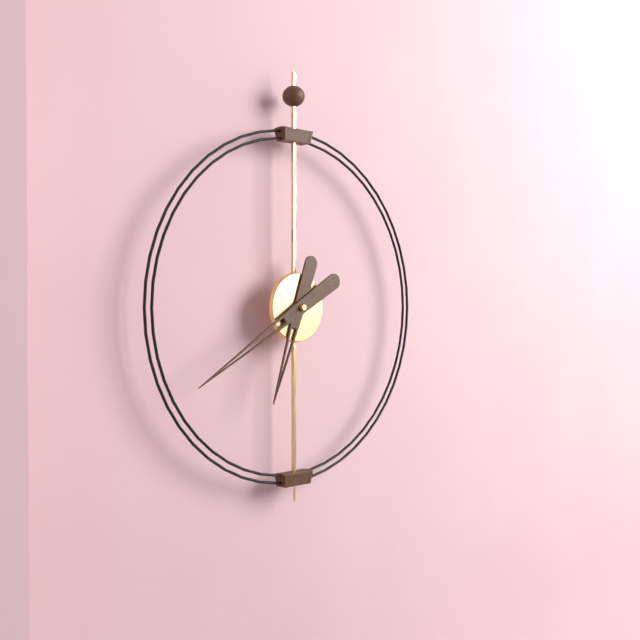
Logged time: 6,40
